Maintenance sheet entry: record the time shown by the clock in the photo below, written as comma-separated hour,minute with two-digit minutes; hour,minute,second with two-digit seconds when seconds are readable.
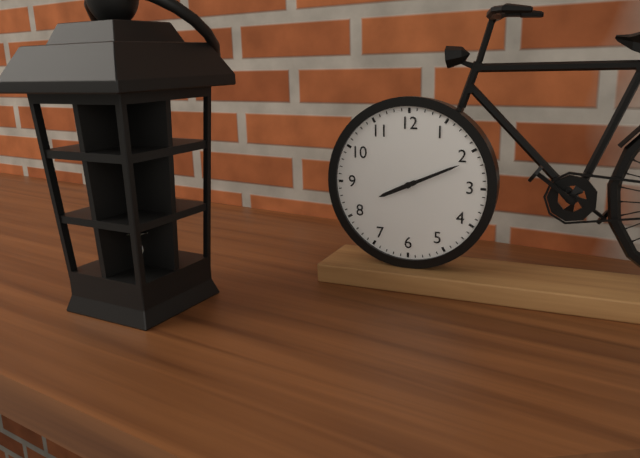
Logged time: 8,11
